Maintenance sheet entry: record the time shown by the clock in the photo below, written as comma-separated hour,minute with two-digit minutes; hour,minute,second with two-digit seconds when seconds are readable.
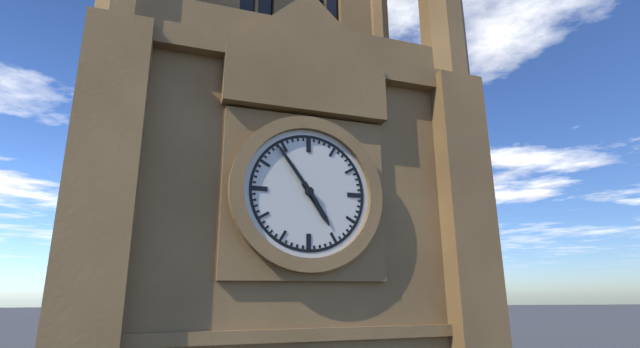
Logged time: 4,54
